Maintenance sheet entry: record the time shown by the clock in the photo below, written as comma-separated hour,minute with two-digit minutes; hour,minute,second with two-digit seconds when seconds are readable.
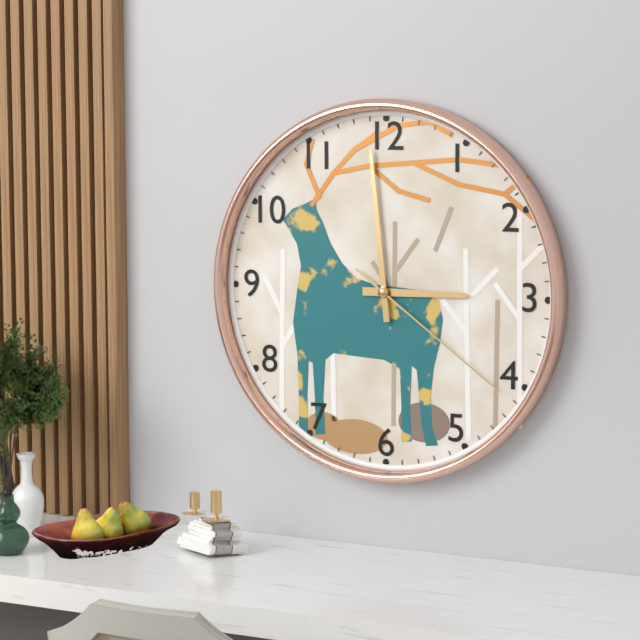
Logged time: 2,59,21
